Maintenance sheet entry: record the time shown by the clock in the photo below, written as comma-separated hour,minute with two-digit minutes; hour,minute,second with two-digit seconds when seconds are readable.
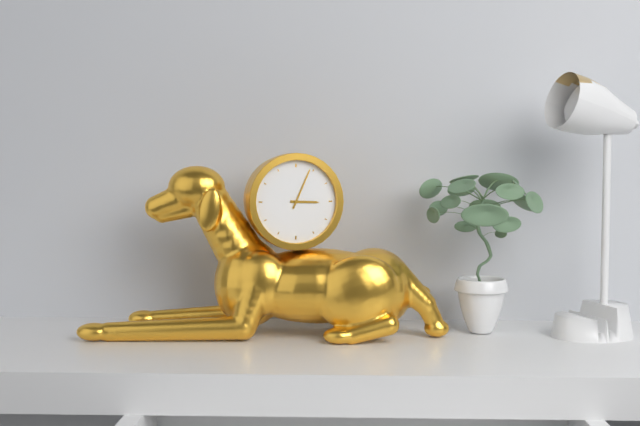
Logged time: 3,04
